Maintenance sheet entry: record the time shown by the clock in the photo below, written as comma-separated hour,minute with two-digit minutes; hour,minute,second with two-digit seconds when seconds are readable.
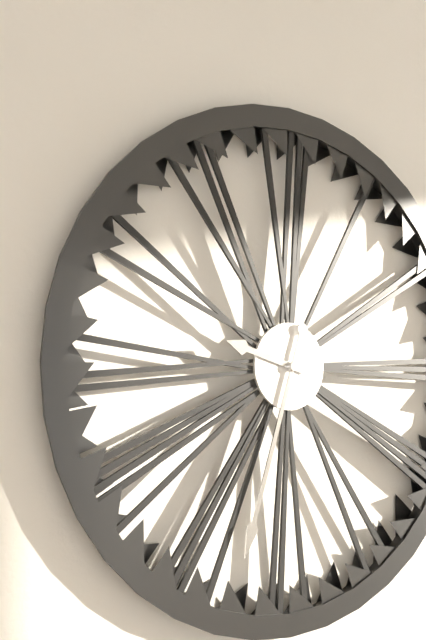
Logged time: 9,33
